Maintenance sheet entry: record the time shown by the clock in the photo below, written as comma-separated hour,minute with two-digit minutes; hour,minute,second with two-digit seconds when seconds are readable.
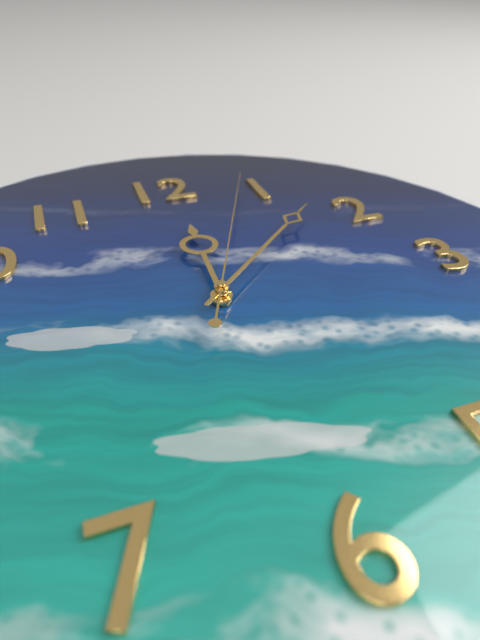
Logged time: 12,08,04
